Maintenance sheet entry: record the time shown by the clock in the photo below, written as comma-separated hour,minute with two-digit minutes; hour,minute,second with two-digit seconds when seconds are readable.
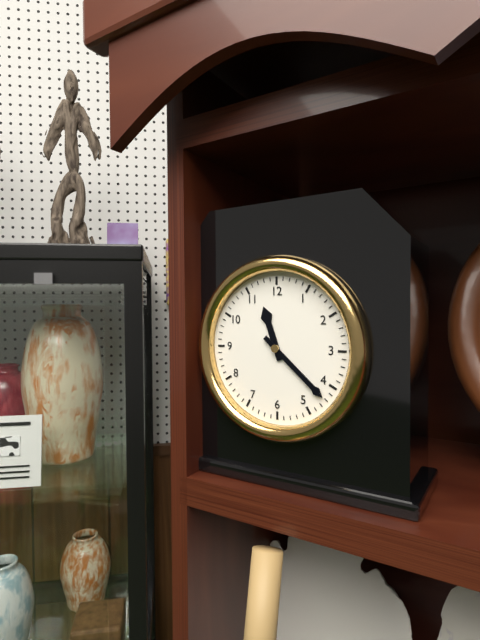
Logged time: 11,22
